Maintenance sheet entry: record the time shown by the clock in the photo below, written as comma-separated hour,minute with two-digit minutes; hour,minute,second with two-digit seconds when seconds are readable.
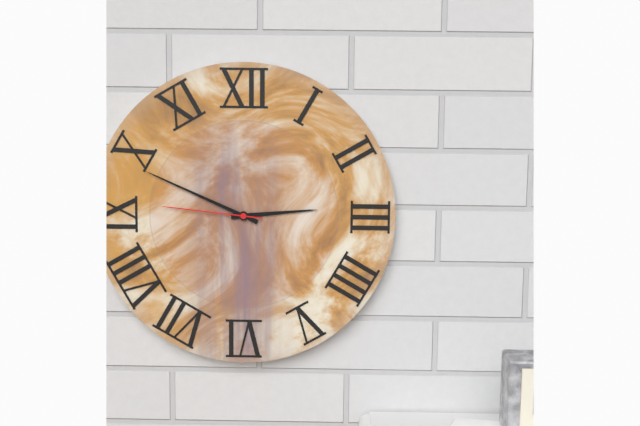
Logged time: 2,49,46
